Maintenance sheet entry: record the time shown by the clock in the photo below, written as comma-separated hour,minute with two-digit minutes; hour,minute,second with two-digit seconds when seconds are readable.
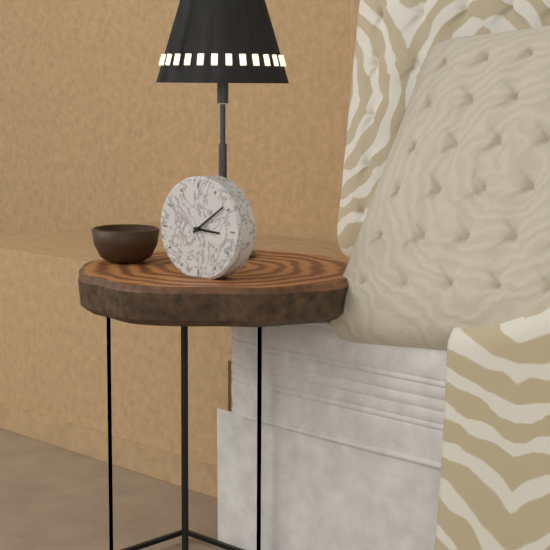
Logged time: 3,09
